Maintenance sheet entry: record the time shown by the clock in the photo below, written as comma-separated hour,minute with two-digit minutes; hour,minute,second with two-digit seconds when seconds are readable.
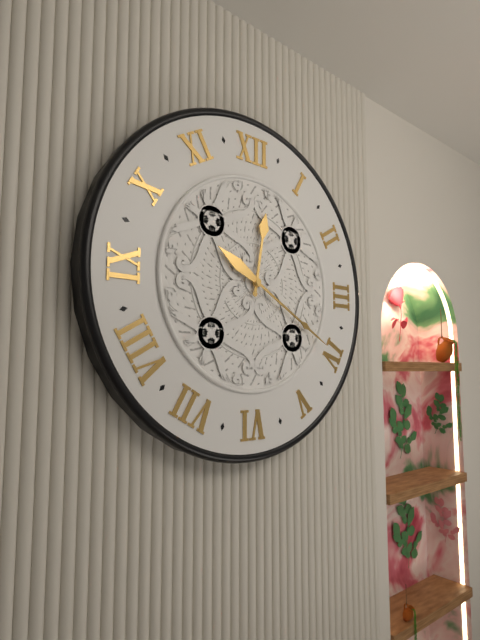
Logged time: 12,20
